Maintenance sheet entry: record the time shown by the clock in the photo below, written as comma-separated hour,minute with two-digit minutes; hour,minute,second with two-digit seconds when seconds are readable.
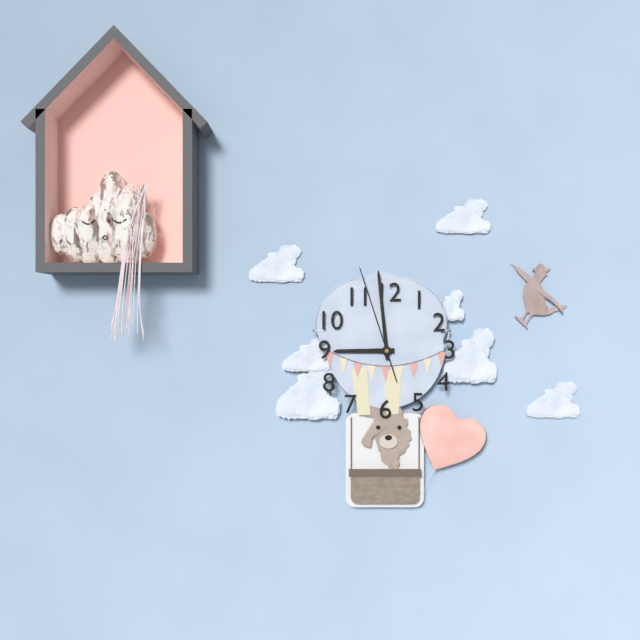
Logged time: 8,59,57
